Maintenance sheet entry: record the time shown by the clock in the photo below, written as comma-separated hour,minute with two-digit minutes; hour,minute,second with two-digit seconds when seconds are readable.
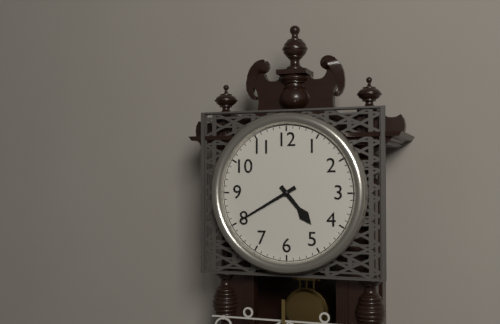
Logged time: 4,40
